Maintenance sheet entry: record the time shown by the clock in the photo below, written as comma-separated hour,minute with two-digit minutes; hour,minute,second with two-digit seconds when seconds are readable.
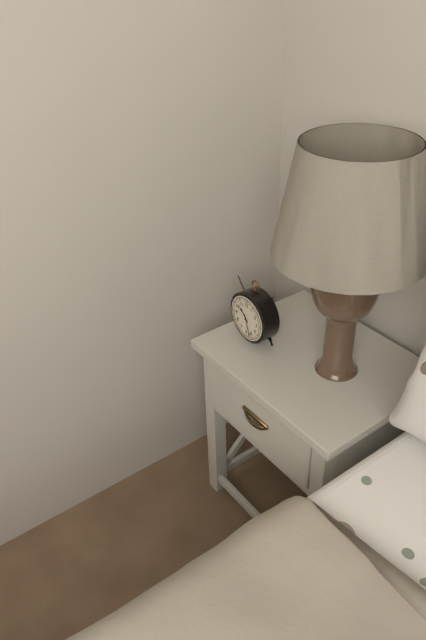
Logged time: 10,27
